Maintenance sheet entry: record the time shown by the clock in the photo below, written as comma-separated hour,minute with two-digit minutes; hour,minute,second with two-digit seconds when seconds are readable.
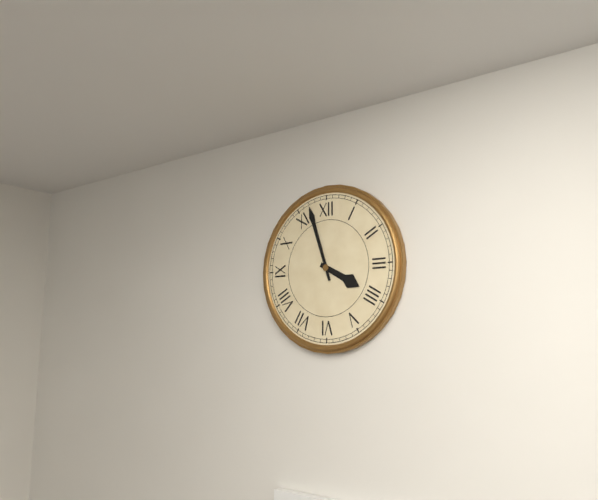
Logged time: 3,57
